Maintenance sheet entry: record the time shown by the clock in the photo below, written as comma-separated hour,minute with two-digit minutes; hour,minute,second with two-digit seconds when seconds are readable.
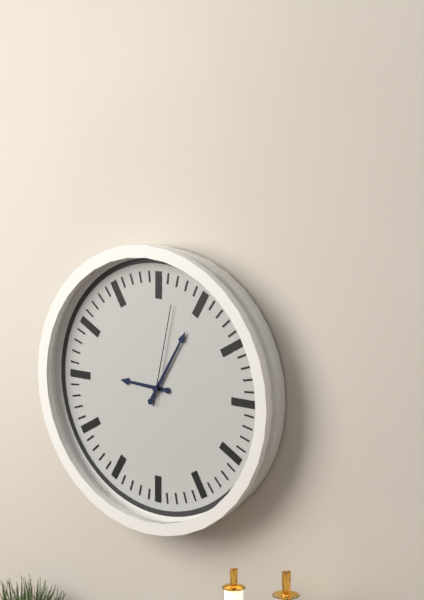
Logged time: 9,05,02
